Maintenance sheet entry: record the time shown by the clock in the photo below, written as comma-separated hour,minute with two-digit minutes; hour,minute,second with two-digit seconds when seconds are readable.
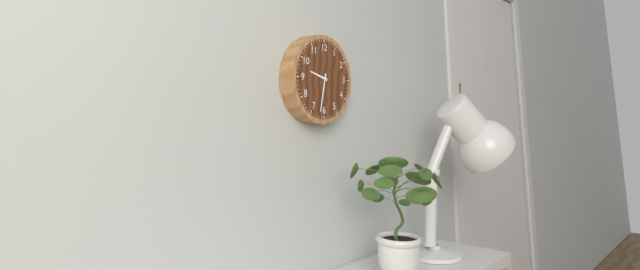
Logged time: 9,32
